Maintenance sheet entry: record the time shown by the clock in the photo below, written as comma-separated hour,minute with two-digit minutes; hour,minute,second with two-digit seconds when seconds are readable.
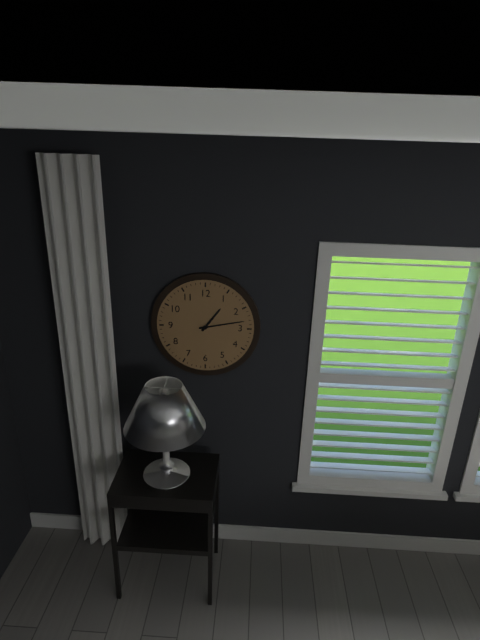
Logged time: 1,13
